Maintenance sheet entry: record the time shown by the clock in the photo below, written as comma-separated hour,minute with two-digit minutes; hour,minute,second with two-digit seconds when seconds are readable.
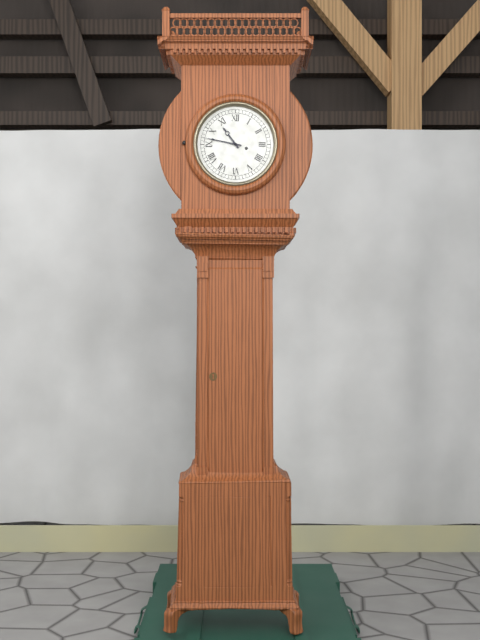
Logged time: 10,47
